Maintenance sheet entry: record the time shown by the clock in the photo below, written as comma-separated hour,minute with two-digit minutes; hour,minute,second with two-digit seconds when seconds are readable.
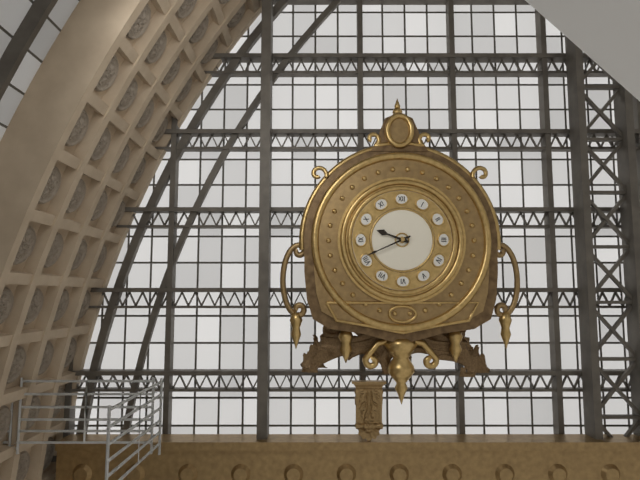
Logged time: 9,41
